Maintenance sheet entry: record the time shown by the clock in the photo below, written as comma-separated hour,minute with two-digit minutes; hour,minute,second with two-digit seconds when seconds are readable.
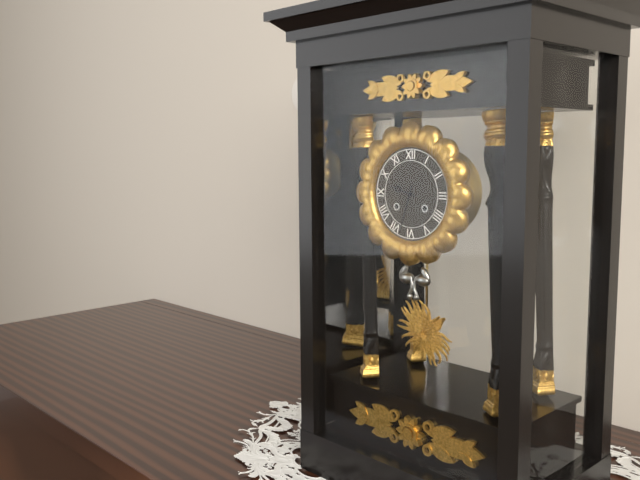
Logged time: 9,33
